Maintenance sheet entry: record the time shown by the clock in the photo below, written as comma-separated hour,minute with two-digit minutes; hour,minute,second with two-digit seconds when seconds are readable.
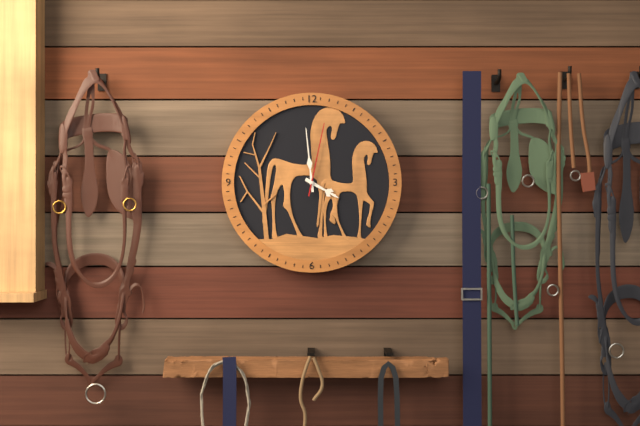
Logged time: 3,59,02
